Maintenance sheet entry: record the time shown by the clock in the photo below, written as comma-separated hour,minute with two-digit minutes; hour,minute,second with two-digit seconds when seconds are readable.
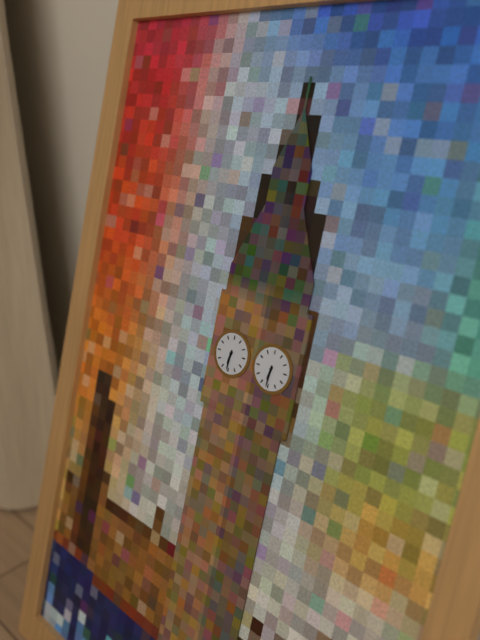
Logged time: 6,31
